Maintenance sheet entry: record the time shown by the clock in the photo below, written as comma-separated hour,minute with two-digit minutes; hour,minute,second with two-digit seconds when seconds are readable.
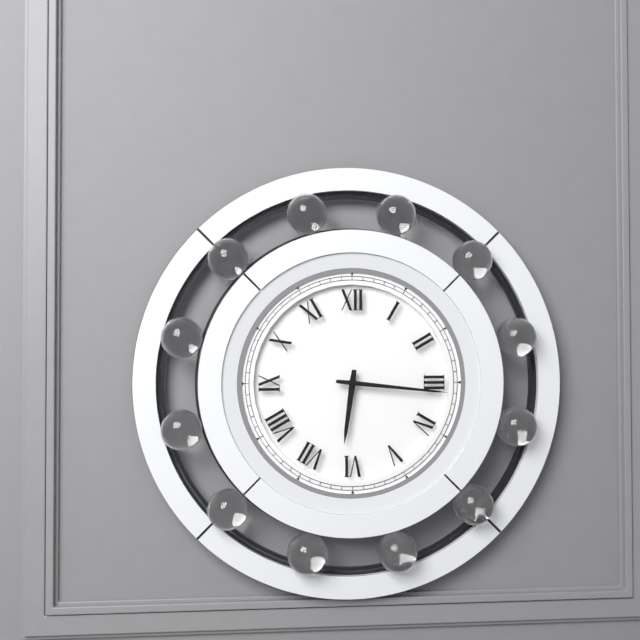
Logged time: 6,16
